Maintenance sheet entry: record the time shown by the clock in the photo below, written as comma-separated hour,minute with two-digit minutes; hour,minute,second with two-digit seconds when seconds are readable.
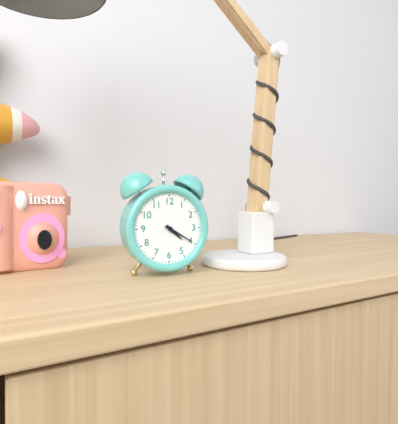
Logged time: 4,20
